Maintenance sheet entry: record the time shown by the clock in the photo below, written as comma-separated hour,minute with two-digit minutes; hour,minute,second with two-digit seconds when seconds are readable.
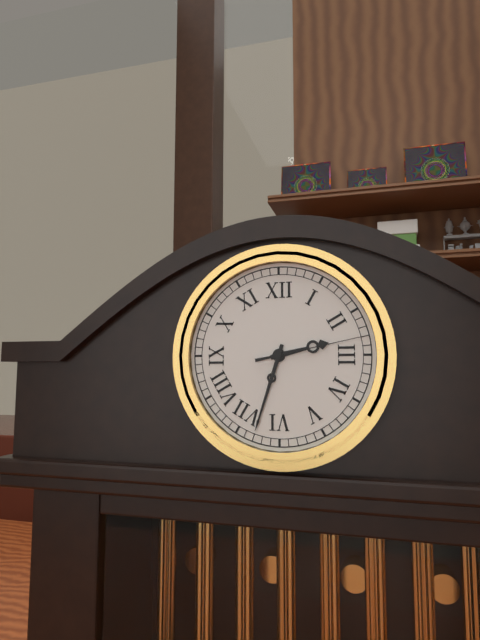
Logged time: 2,33,13
